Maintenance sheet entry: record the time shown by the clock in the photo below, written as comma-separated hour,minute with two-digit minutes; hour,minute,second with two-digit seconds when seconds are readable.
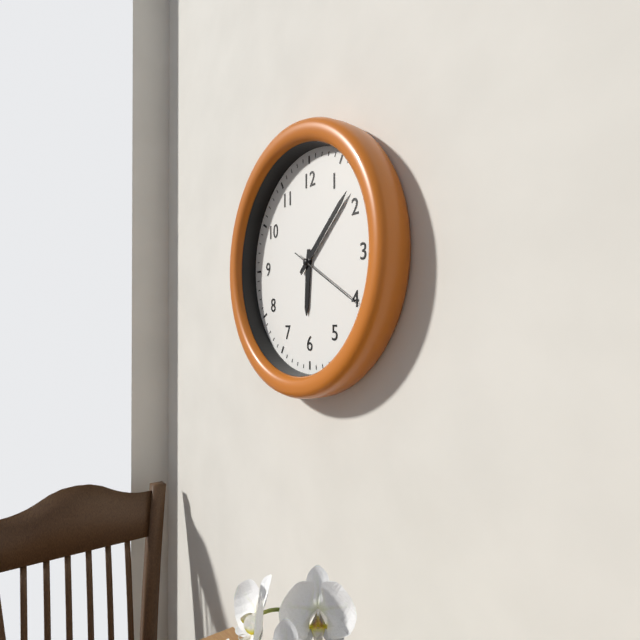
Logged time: 6,08,20
